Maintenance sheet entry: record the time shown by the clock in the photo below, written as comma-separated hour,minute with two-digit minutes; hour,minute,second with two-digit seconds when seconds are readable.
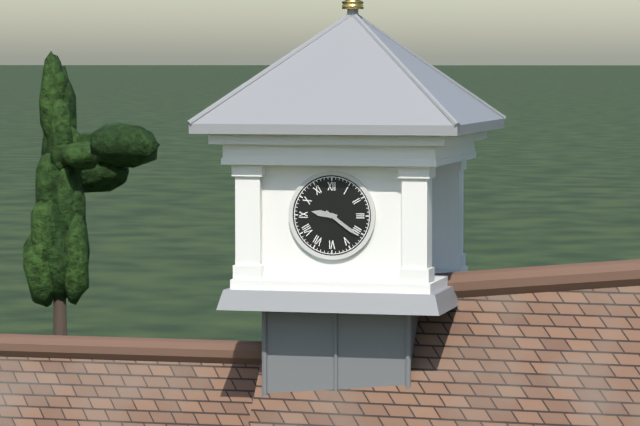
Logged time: 9,21
